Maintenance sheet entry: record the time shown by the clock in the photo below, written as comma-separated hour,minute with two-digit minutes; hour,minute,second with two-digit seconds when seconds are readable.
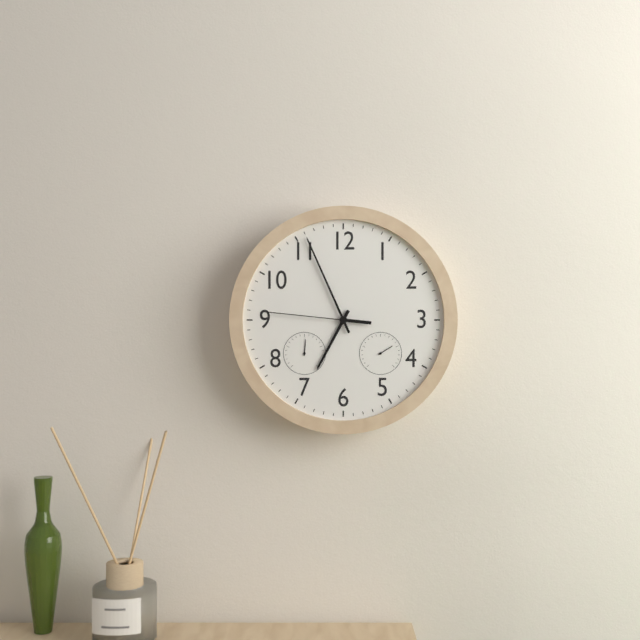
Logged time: 6,56,46
